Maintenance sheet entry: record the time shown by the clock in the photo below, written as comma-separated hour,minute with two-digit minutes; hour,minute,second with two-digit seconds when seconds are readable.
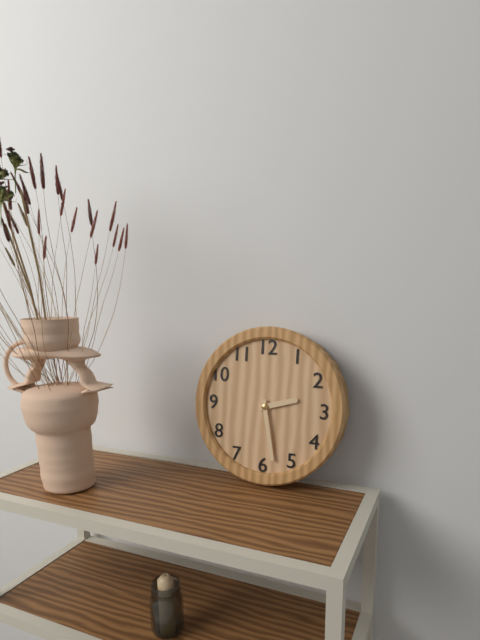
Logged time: 2,28
